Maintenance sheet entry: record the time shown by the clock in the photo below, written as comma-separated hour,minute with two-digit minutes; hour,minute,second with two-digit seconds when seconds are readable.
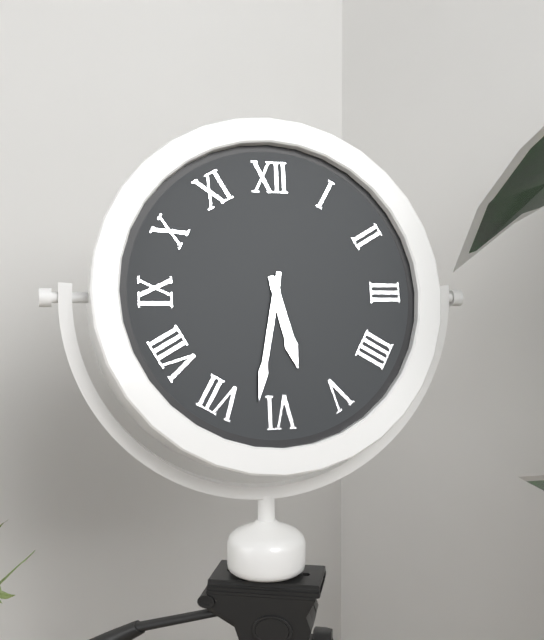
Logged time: 5,32
